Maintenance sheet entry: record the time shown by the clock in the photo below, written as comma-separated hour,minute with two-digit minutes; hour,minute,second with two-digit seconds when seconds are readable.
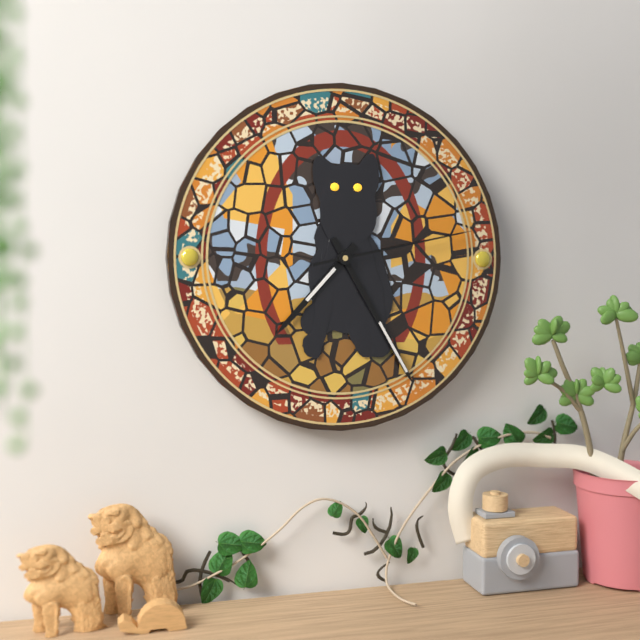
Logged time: 7,25,13
